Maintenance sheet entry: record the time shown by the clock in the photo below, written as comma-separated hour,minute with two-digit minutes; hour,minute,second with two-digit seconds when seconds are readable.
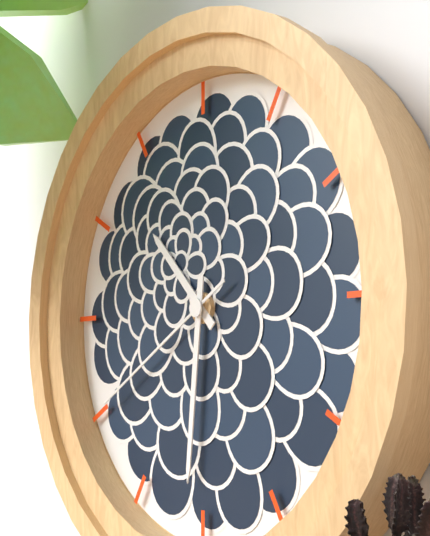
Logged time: 10,31,40
